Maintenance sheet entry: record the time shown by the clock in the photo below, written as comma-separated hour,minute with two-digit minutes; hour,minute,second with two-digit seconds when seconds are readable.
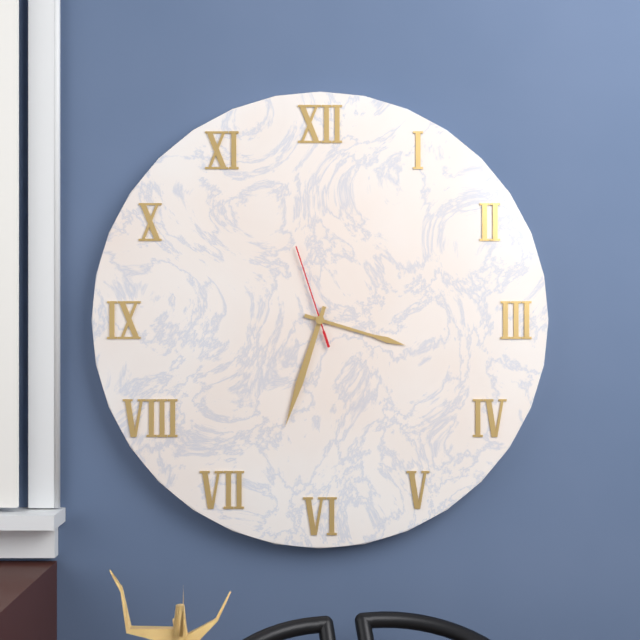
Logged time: 3,33,57
